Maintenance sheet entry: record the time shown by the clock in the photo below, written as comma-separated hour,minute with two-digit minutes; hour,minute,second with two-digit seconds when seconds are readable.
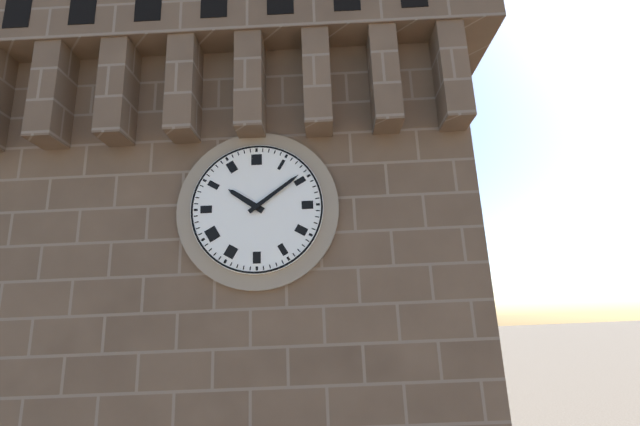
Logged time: 10,09
